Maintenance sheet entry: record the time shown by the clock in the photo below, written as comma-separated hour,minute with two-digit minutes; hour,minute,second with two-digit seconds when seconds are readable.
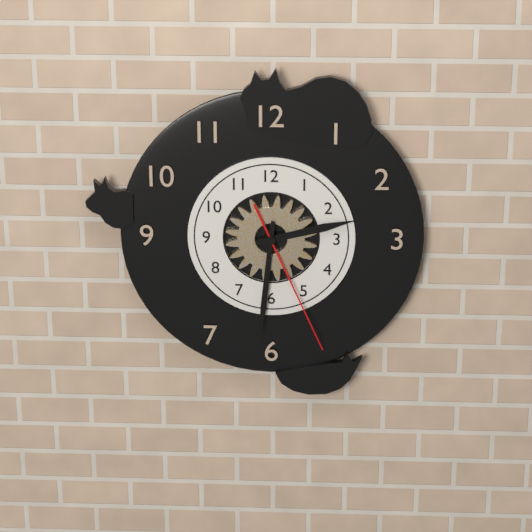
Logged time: 2,31,26
